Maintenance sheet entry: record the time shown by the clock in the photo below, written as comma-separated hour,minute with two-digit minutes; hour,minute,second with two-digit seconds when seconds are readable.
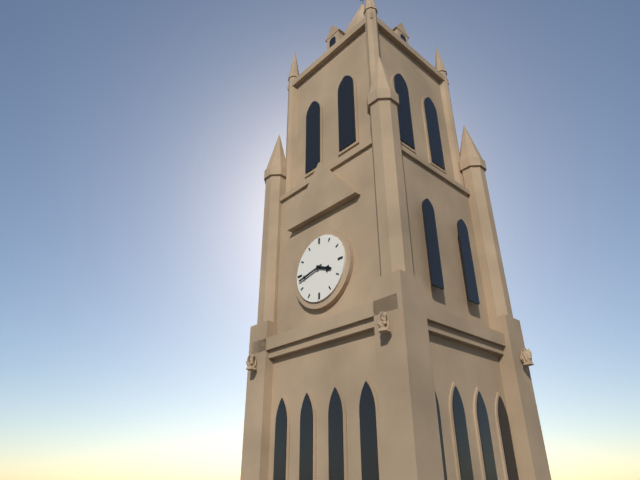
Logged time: 3,43
